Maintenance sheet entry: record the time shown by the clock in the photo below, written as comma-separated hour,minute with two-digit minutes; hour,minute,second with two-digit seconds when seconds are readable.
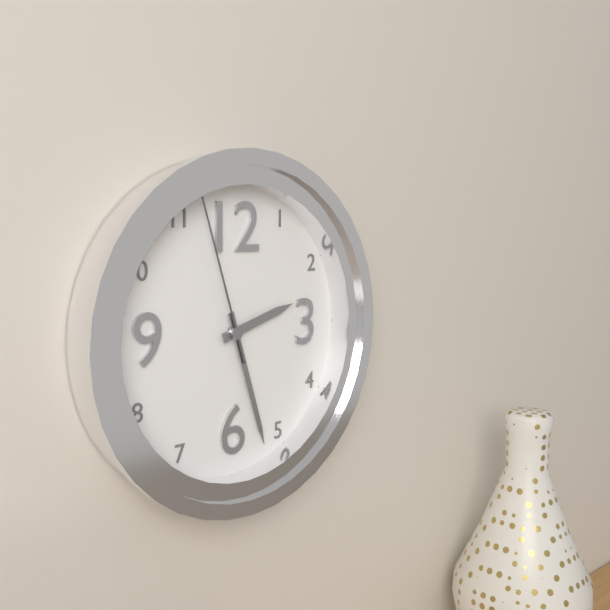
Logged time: 2,27,57
